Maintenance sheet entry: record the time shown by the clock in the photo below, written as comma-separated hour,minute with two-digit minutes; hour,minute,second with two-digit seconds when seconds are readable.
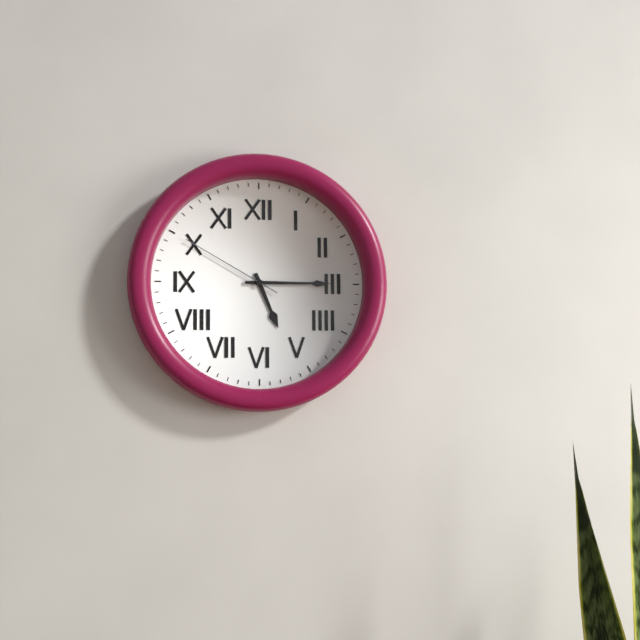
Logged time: 5,15,50
